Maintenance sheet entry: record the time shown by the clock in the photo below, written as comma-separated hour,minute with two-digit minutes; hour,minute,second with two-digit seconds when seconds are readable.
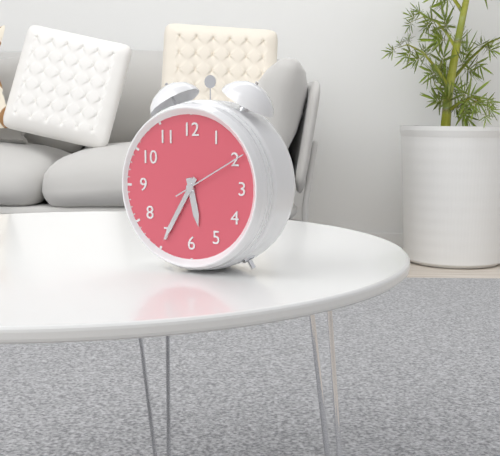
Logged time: 5,35,10
